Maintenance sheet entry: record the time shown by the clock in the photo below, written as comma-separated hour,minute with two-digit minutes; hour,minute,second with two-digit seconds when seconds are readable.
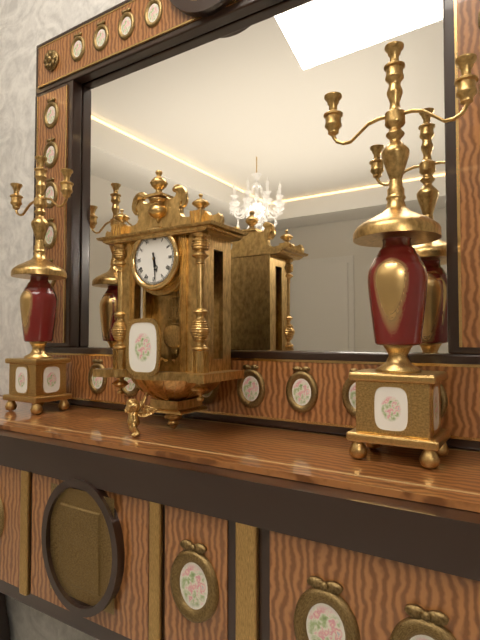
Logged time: 5,29
